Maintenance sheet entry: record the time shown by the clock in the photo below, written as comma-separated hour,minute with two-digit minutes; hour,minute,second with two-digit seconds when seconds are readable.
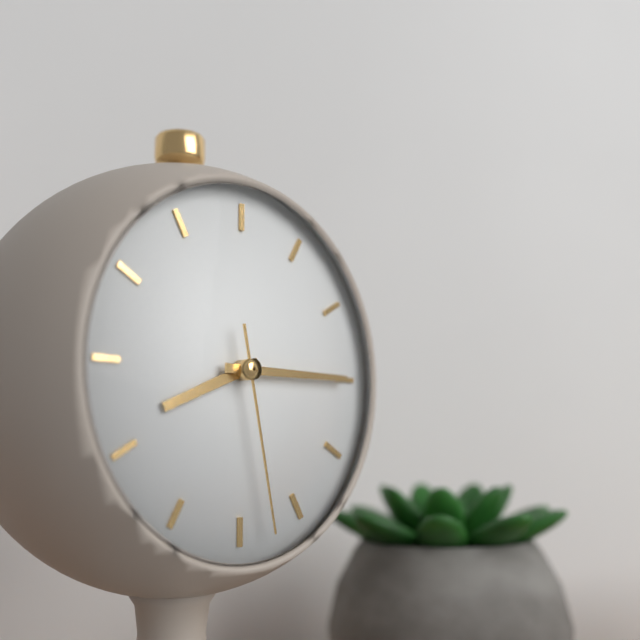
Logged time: 8,15,28
